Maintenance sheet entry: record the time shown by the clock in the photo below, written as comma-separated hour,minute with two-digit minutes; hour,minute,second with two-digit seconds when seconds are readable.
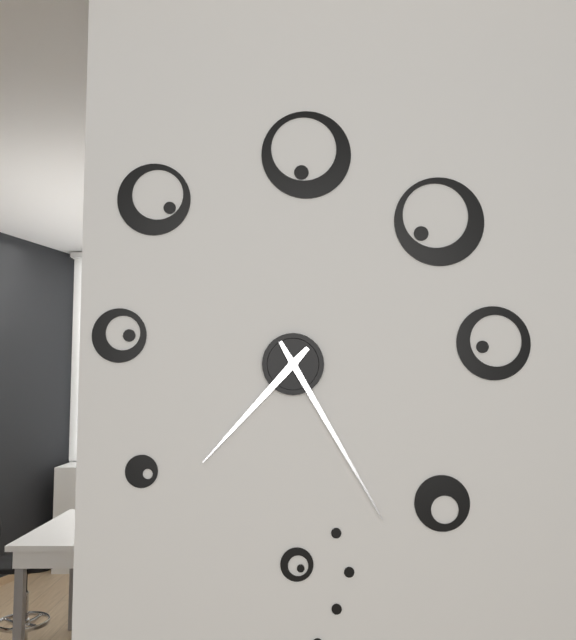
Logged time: 7,25
